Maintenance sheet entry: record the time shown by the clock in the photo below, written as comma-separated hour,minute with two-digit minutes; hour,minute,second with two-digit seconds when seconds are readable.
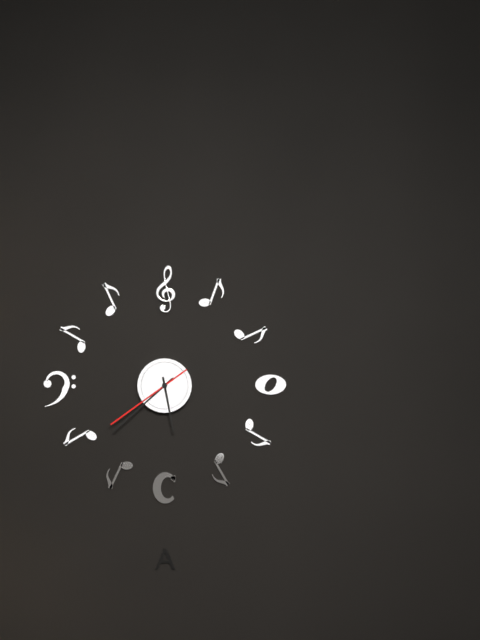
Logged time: 5,38,39
